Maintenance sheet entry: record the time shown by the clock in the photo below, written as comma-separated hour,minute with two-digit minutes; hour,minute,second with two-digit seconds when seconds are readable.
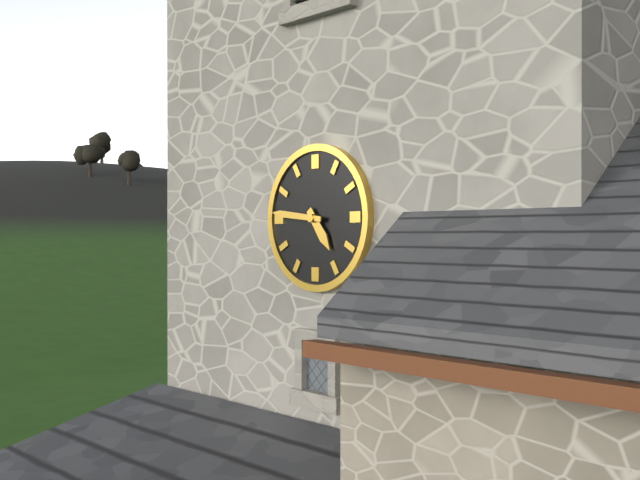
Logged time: 4,46
